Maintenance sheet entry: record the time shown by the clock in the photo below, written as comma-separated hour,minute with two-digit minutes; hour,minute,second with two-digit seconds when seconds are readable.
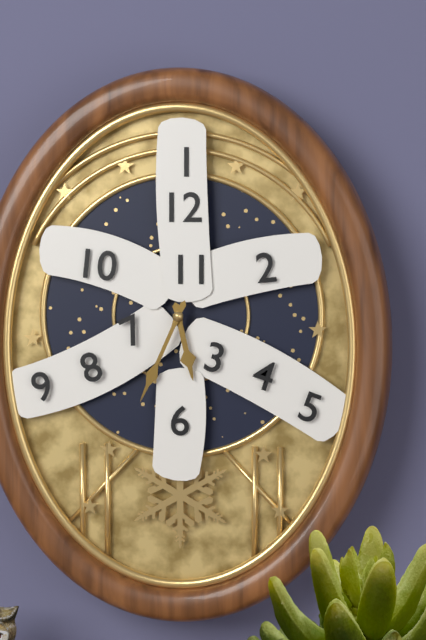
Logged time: 5,34
